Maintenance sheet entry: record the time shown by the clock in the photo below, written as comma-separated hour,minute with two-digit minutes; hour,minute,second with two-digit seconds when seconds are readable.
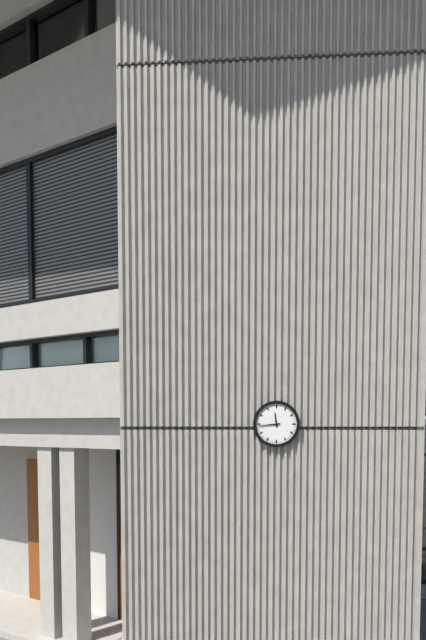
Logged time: 11,44
